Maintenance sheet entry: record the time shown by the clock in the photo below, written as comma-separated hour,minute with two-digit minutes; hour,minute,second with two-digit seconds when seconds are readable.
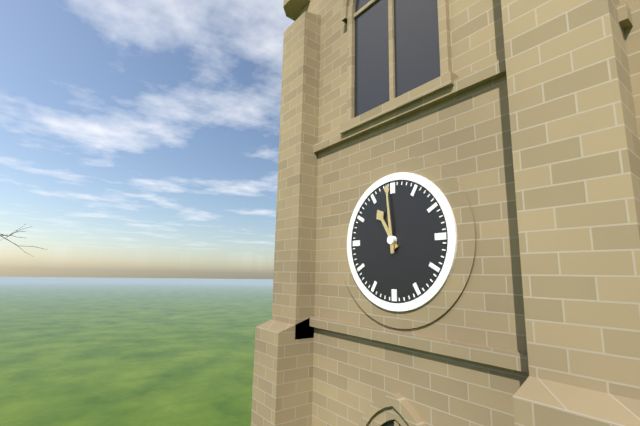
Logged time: 10,59
